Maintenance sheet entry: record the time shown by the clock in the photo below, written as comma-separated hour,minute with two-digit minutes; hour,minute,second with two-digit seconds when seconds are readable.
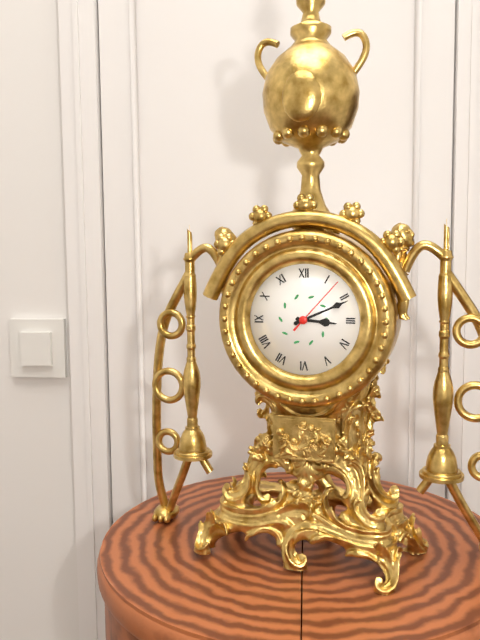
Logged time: 3,11,07
